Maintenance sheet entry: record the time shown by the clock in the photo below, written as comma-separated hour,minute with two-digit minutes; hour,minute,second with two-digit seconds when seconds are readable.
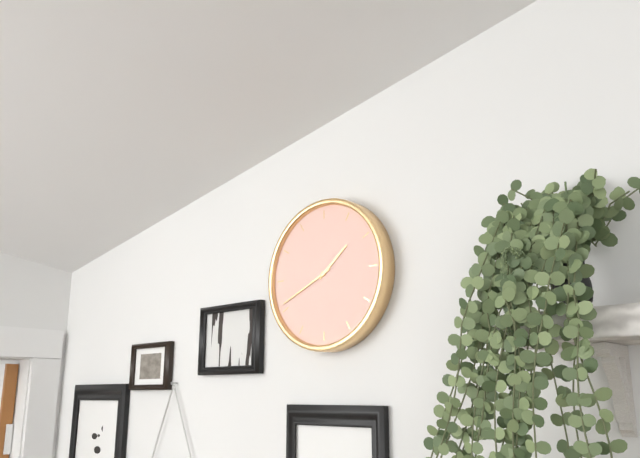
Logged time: 1,41
